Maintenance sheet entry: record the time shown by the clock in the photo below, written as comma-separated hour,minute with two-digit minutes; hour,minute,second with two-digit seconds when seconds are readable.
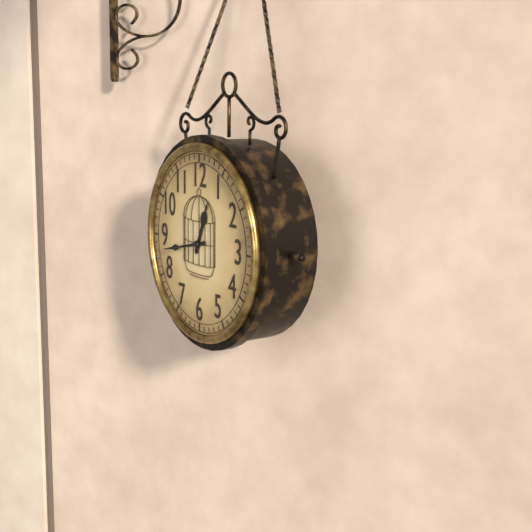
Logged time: 12,43
